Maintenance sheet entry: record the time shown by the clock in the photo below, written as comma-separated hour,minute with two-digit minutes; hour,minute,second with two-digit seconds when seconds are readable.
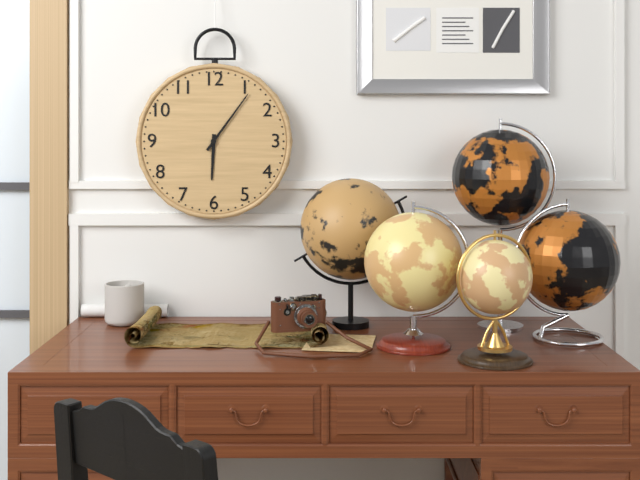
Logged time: 6,06
